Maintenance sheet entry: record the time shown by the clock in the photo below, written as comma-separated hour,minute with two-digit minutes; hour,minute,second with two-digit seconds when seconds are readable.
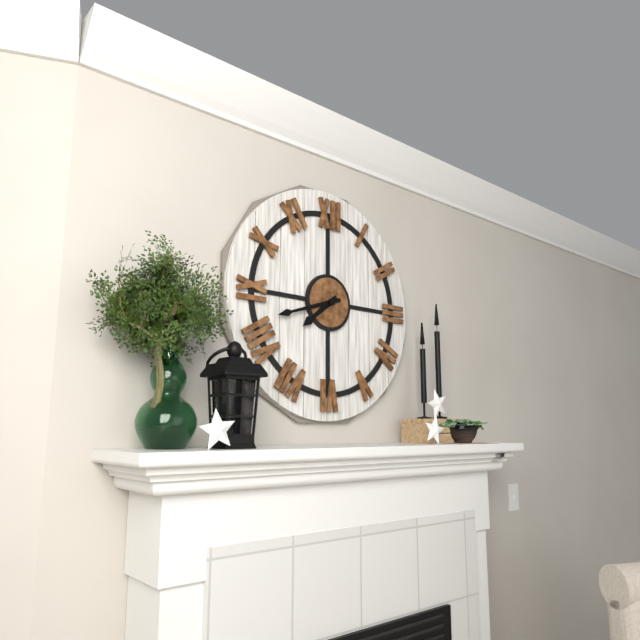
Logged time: 7,42
